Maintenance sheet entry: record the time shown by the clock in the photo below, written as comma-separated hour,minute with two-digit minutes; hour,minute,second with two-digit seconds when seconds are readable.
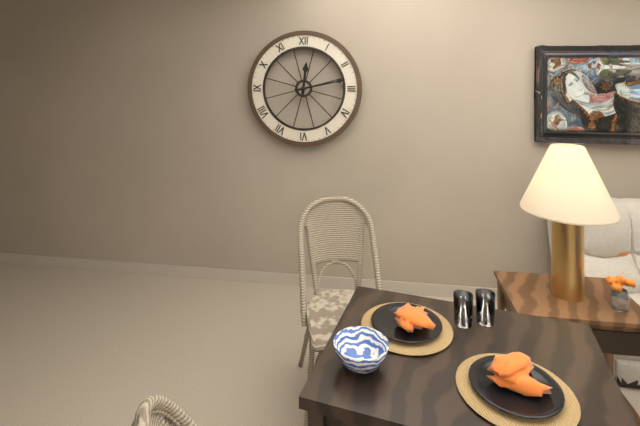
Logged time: 12,13
